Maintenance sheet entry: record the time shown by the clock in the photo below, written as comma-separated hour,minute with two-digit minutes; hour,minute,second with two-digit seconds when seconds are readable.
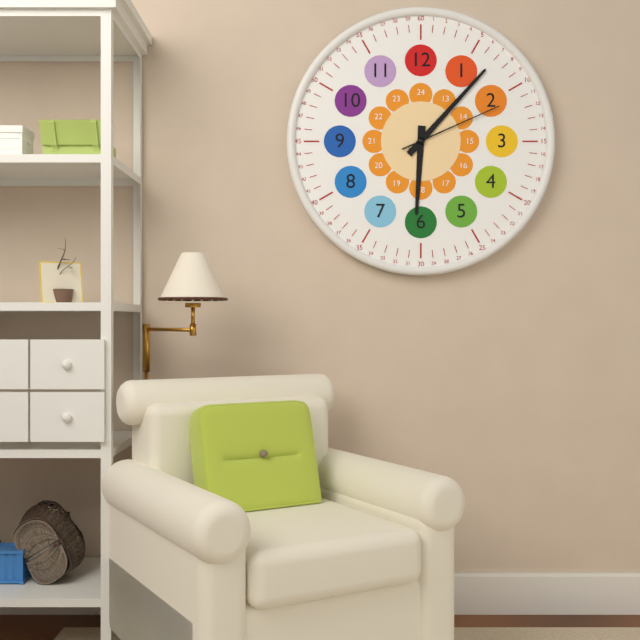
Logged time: 6,07,11
